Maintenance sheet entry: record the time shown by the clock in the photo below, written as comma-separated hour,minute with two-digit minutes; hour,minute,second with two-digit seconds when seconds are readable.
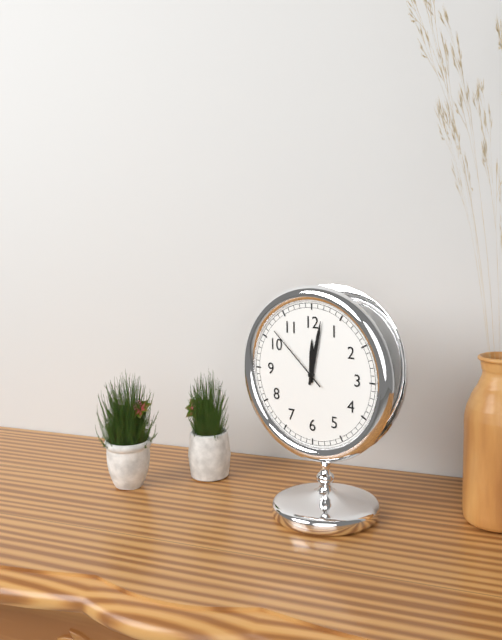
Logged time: 12,02,52
